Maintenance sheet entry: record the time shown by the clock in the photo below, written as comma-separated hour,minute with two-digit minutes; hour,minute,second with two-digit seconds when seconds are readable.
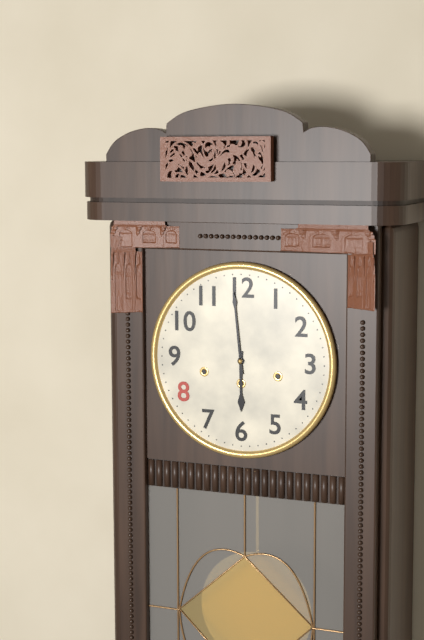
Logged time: 5,59
